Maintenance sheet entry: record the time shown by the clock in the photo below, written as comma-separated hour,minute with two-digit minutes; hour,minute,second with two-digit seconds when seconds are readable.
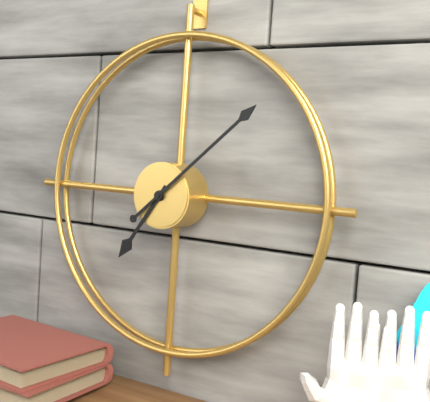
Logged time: 7,08
